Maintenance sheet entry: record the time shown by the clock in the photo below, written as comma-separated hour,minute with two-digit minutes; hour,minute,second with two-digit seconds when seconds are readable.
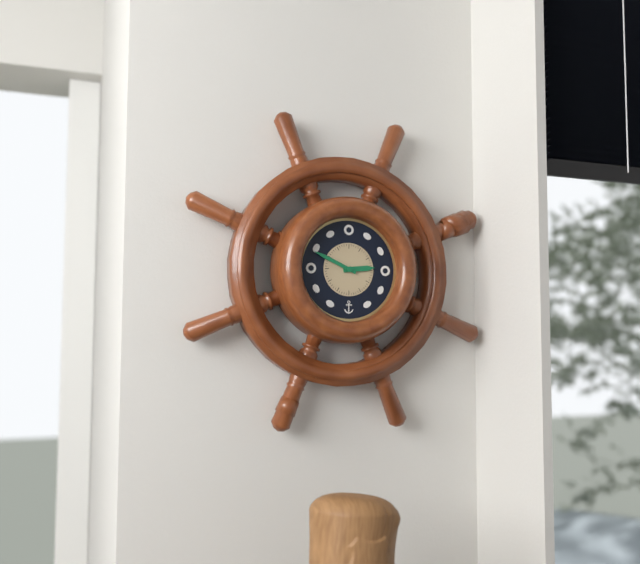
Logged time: 2,49
